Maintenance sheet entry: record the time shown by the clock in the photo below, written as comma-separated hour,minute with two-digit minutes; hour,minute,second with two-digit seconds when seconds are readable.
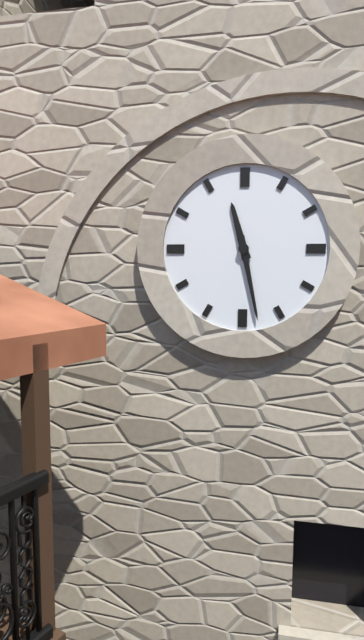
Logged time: 11,28
